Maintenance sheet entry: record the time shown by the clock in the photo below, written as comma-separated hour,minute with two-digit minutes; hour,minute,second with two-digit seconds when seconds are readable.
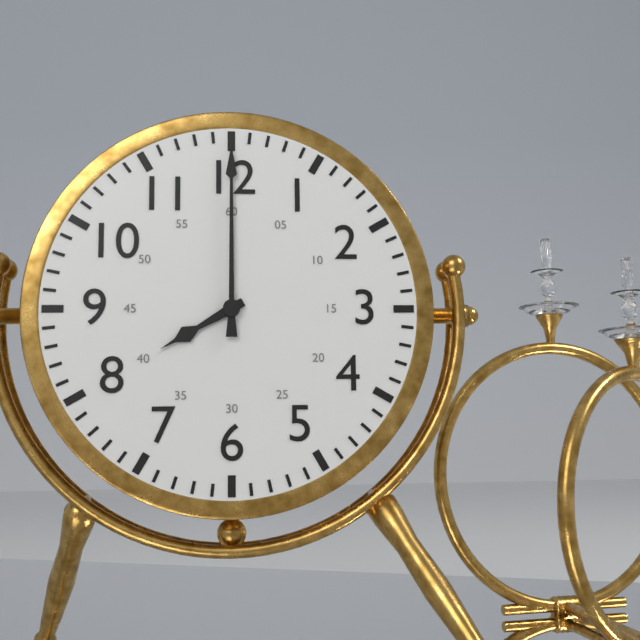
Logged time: 8,00
